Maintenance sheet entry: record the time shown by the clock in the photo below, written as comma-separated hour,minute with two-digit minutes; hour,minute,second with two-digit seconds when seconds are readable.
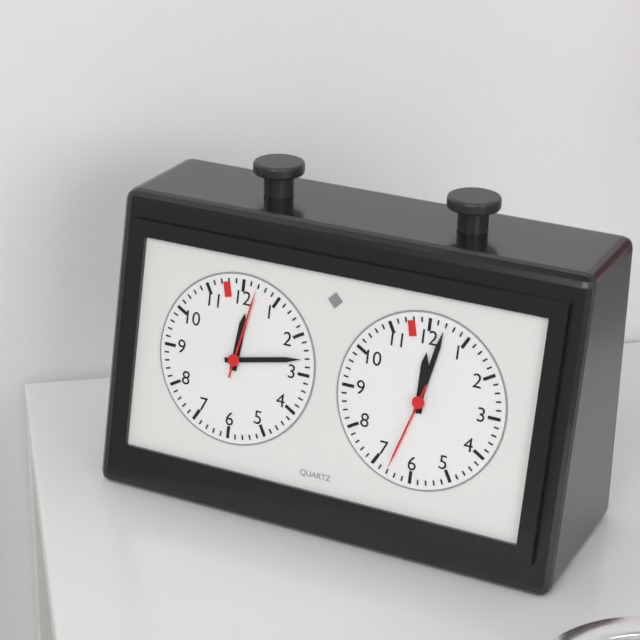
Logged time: 12,13,02
